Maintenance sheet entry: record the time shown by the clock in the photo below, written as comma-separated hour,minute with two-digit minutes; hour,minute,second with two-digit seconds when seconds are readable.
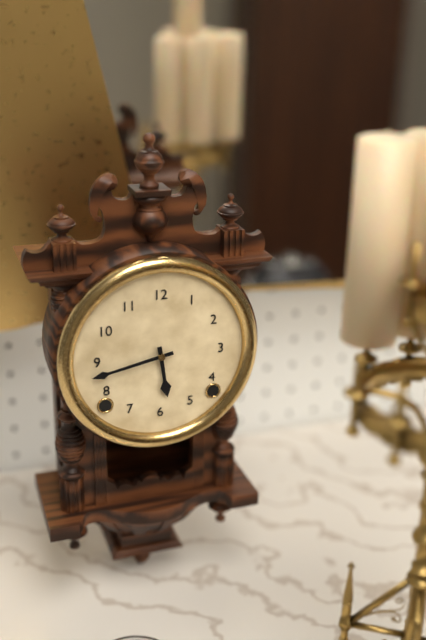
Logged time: 5,43
